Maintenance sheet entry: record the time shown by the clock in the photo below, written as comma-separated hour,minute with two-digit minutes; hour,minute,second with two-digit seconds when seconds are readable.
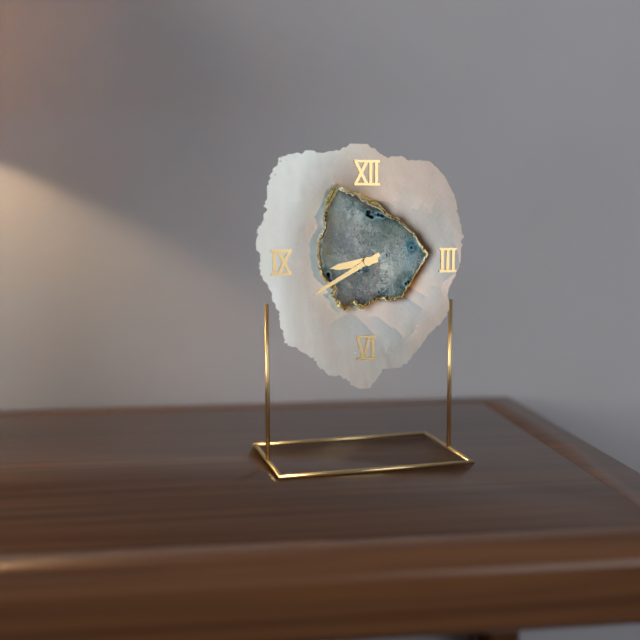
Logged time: 8,40
